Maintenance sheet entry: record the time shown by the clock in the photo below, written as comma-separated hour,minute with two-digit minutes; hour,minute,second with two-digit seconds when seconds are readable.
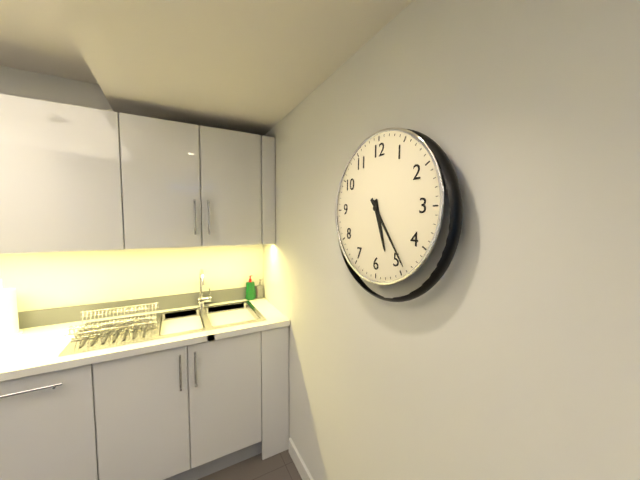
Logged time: 5,24
